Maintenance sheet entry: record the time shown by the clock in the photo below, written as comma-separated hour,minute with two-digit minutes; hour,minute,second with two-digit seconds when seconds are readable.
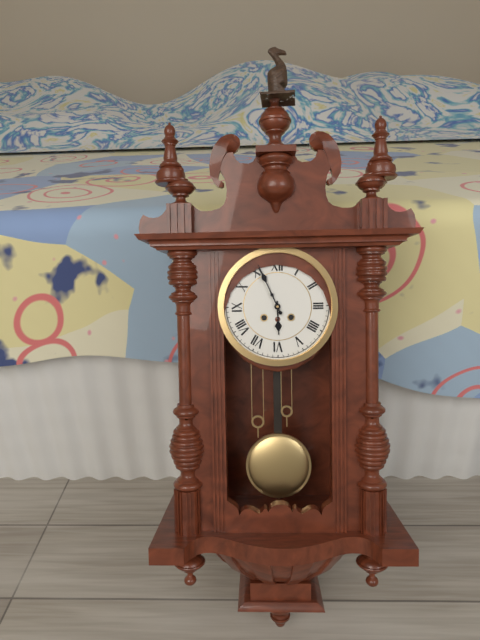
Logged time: 5,56
